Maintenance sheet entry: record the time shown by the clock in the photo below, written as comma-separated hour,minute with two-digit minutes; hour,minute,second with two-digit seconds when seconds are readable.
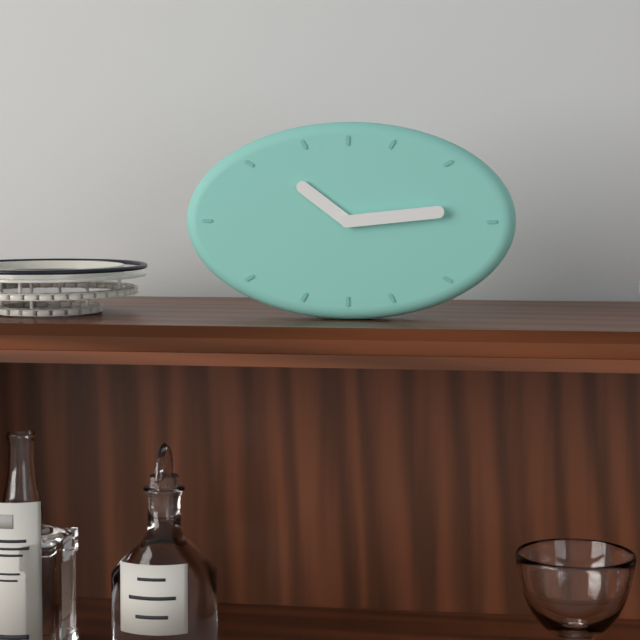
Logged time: 10,14
